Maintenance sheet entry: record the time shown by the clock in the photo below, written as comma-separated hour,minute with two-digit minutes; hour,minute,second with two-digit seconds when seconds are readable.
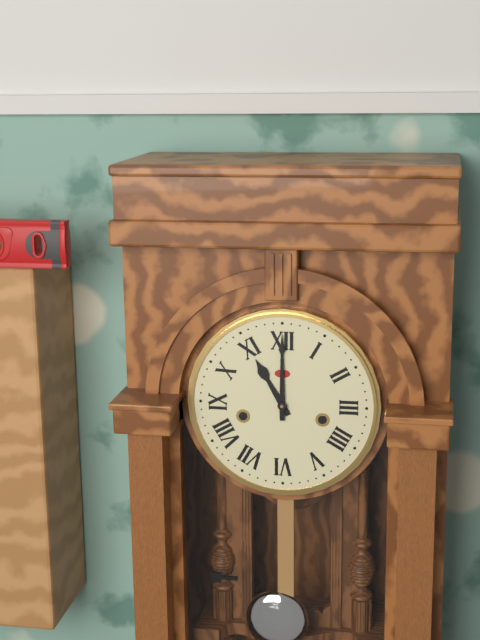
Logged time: 11,00
